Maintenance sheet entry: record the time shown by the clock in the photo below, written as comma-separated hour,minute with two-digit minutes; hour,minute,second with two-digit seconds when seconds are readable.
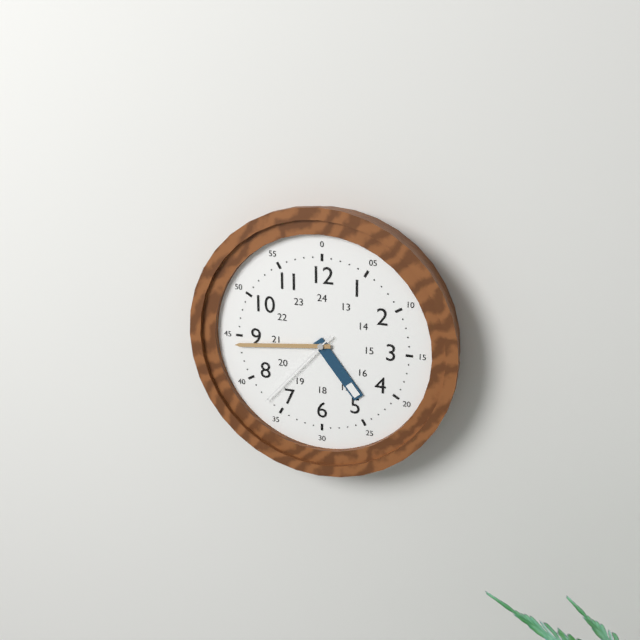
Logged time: 4,44,37
